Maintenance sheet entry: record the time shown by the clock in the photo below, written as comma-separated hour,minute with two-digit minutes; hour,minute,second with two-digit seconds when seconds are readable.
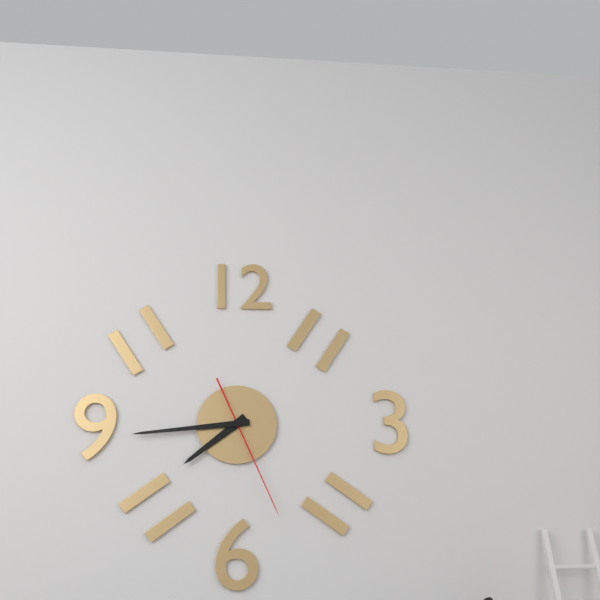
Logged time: 7,44,26
